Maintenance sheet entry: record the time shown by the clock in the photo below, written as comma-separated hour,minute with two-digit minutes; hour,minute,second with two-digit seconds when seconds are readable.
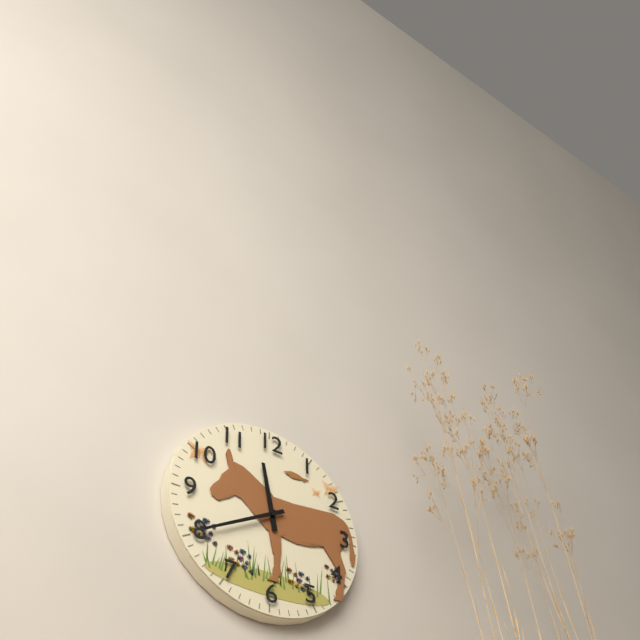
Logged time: 11,40
